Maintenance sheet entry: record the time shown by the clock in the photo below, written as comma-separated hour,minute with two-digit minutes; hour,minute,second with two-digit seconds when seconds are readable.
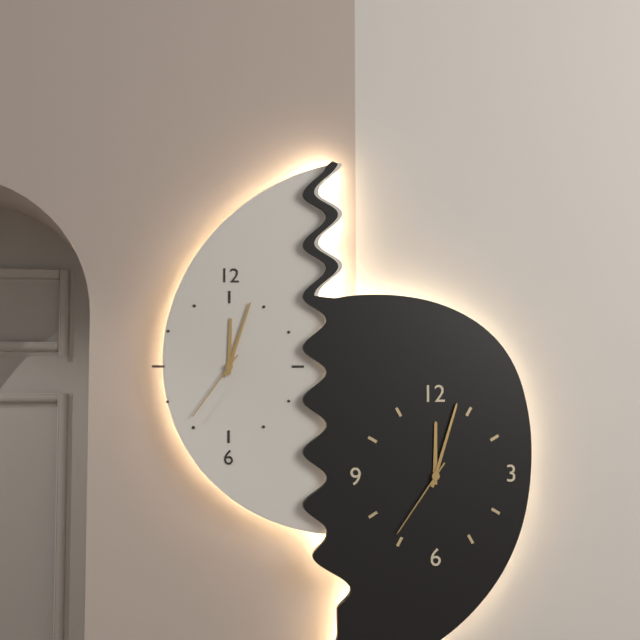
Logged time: 12,03,36
